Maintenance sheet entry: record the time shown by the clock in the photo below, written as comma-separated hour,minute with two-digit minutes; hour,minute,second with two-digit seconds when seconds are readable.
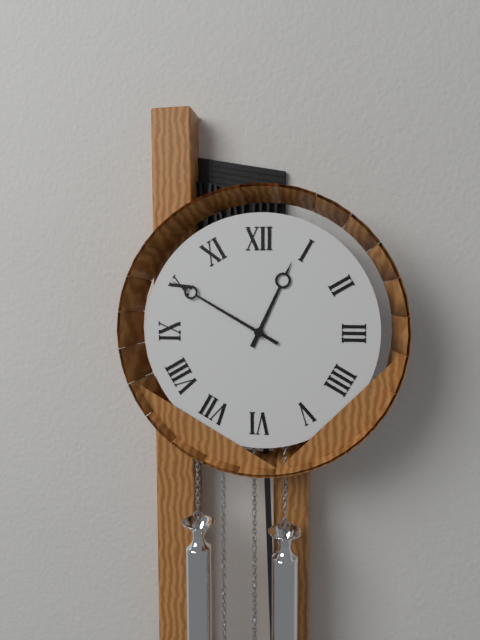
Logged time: 12,50
